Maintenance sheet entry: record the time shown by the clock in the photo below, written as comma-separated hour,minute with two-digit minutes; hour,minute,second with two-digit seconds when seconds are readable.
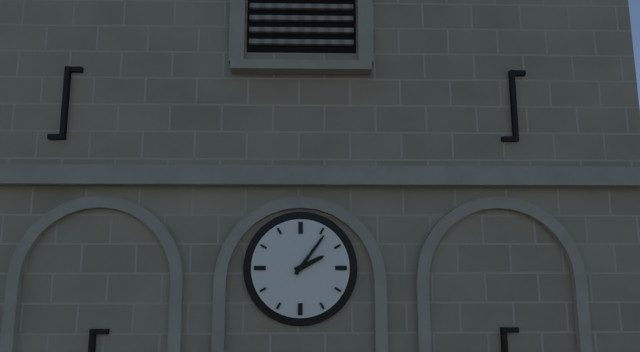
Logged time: 2,06
